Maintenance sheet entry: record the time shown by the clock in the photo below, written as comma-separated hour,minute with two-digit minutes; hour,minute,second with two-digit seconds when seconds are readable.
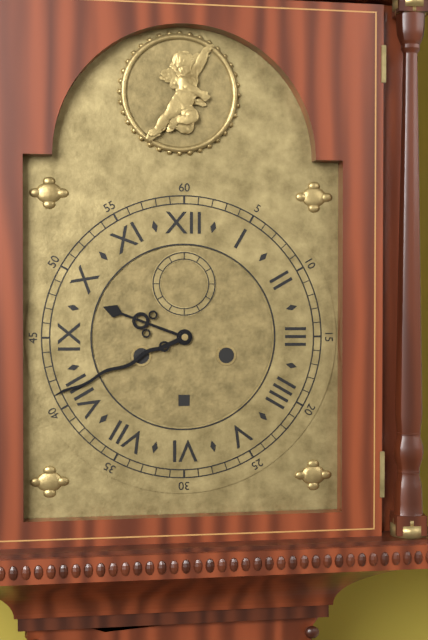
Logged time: 9,41
